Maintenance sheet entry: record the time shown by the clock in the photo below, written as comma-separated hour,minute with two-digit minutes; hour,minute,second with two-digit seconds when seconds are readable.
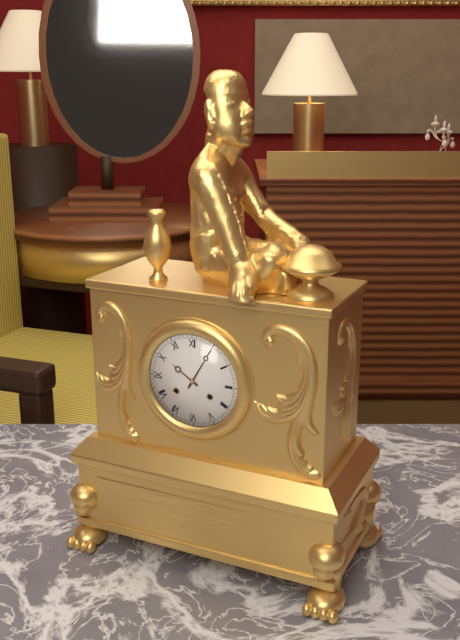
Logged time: 10,05
